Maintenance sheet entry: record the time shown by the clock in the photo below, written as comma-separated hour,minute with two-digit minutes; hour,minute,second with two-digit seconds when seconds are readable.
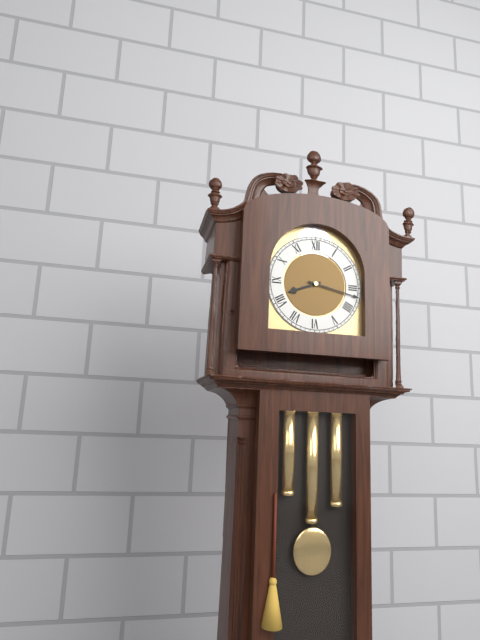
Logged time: 8,17
